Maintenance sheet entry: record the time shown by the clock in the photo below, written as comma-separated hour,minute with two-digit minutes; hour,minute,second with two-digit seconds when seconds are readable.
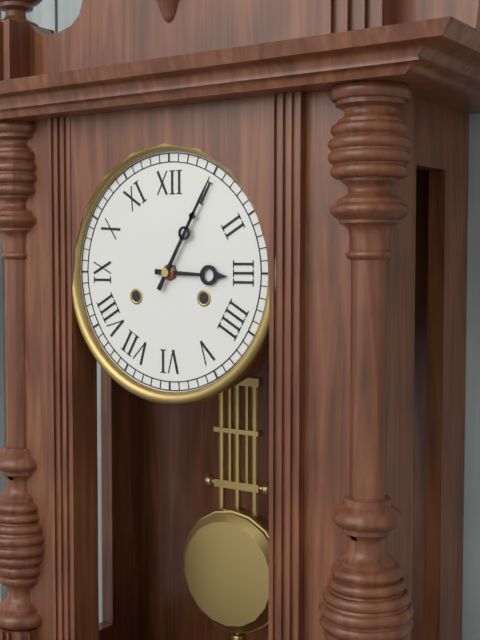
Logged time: 3,05
